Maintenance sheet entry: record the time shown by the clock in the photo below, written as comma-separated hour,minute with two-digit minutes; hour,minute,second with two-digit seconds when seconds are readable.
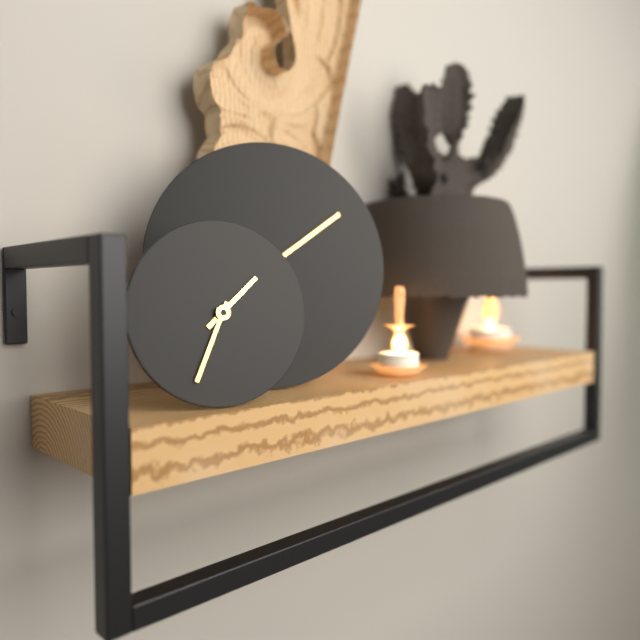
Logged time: 1,34
